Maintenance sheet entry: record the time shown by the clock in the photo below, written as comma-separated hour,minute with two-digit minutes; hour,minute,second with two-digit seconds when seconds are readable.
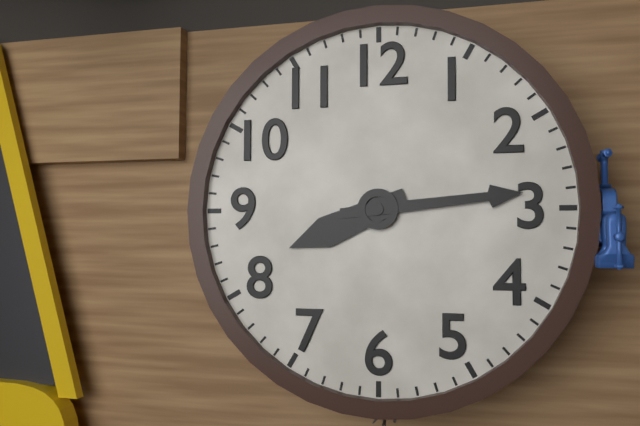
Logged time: 8,14
